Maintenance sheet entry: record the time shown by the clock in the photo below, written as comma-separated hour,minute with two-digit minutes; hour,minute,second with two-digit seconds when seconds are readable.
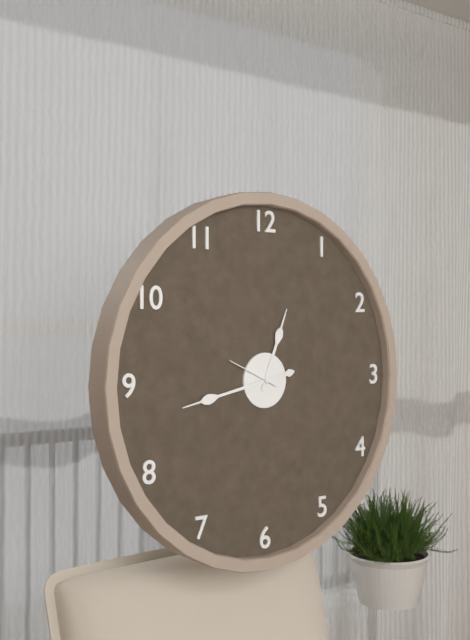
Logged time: 12,43,49
